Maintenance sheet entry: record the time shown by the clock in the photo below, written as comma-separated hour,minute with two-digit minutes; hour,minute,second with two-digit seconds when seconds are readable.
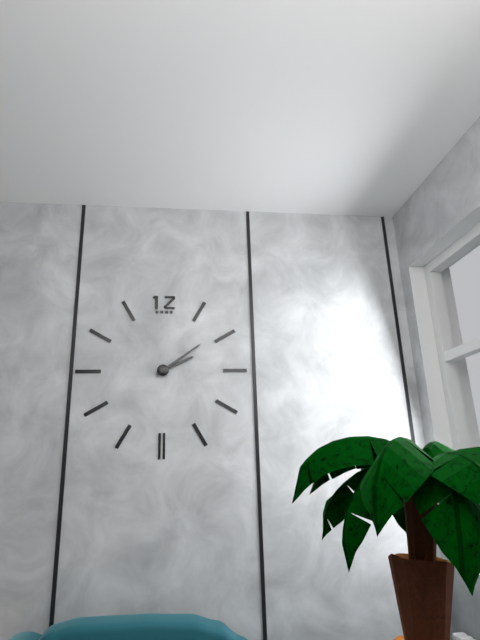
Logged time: 2,09
